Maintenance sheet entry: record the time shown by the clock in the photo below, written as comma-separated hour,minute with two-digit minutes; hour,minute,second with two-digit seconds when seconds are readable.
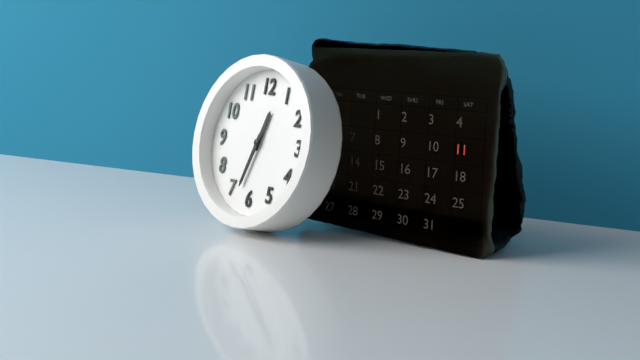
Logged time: 12,33
